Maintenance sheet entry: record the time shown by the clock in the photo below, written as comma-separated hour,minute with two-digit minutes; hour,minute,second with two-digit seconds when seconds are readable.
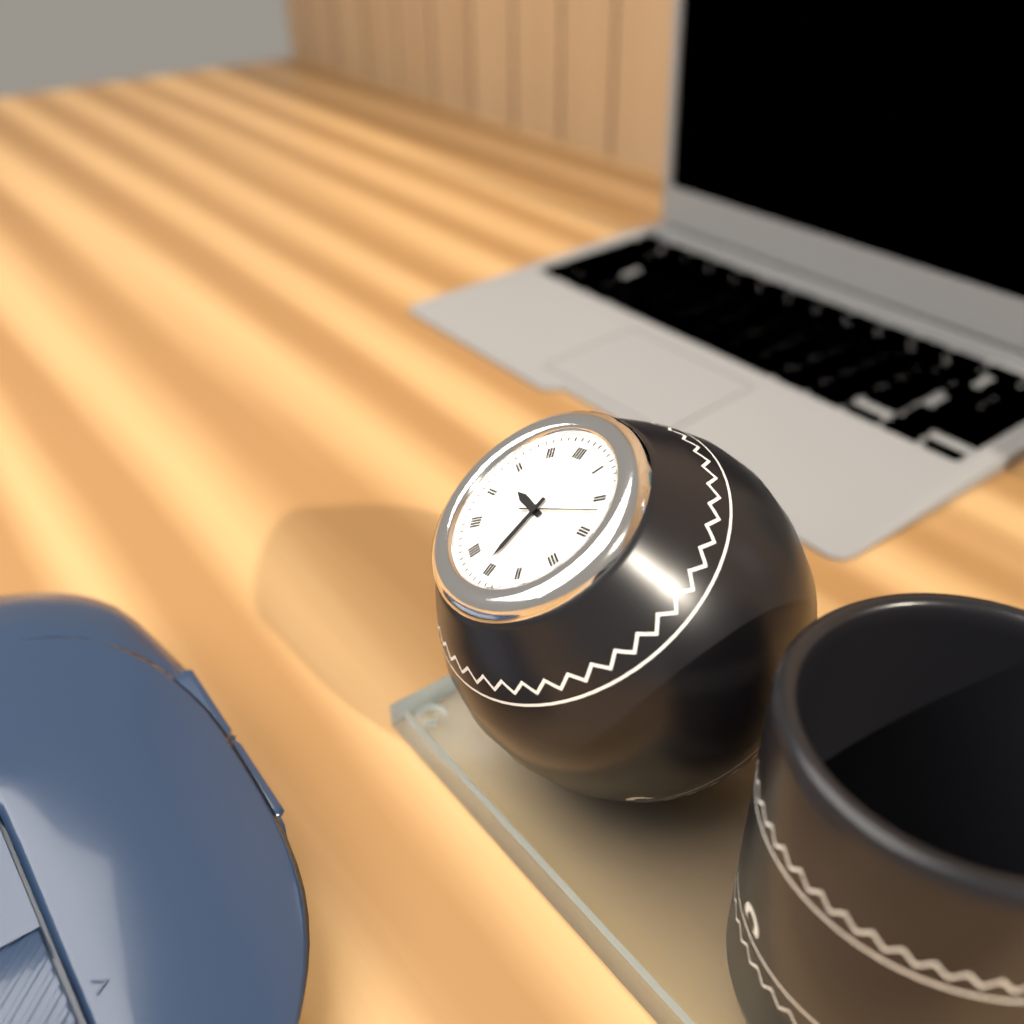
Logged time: 9,31,12
